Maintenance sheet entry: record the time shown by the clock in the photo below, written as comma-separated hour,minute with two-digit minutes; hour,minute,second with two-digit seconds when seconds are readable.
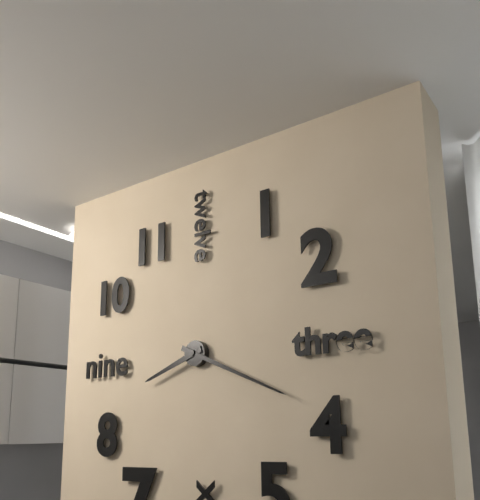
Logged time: 8,19
